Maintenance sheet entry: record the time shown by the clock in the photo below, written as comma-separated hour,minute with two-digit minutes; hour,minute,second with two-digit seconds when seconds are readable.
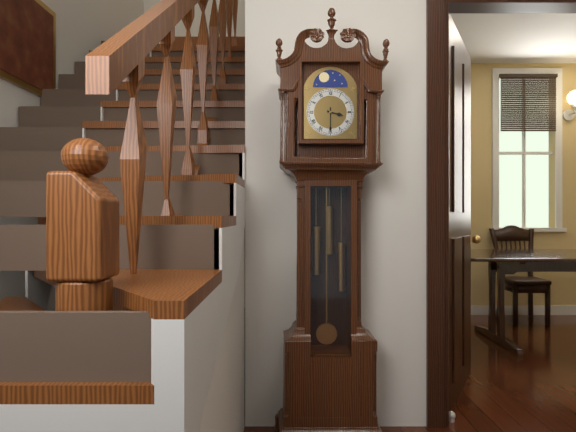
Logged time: 3,30
